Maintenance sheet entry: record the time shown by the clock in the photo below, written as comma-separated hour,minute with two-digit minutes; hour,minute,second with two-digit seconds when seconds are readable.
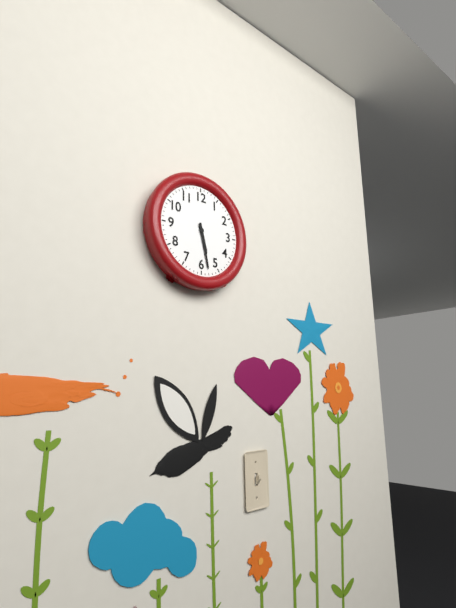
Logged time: 5,28
